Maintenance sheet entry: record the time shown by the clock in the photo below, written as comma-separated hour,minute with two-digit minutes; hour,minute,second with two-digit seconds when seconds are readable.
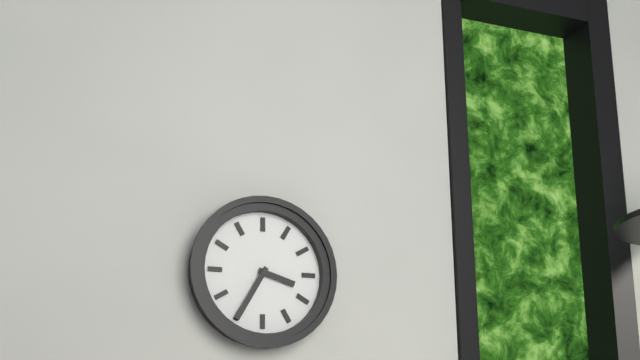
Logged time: 3,35
